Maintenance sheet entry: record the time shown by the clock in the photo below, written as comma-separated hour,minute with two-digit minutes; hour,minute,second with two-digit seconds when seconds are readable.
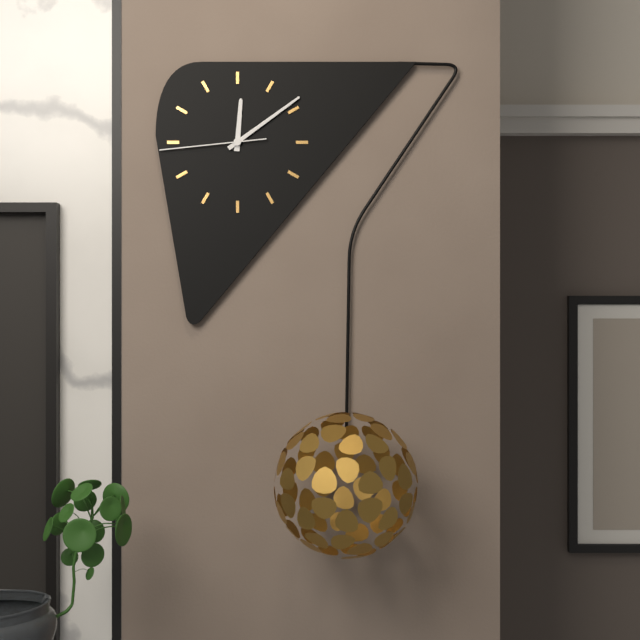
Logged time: 12,09,44
